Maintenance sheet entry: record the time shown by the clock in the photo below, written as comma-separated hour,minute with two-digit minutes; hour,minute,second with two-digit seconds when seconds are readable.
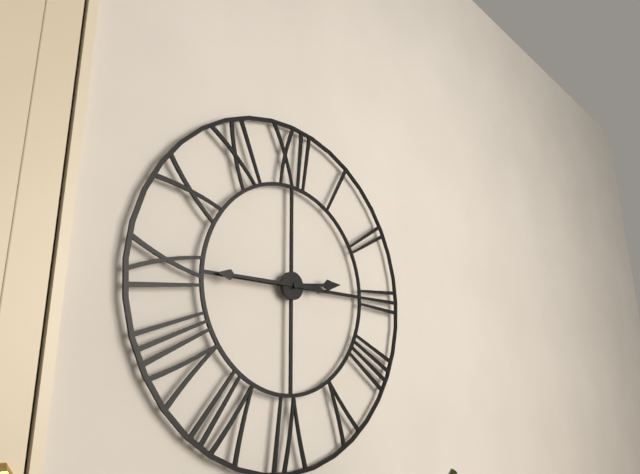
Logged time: 2,45
